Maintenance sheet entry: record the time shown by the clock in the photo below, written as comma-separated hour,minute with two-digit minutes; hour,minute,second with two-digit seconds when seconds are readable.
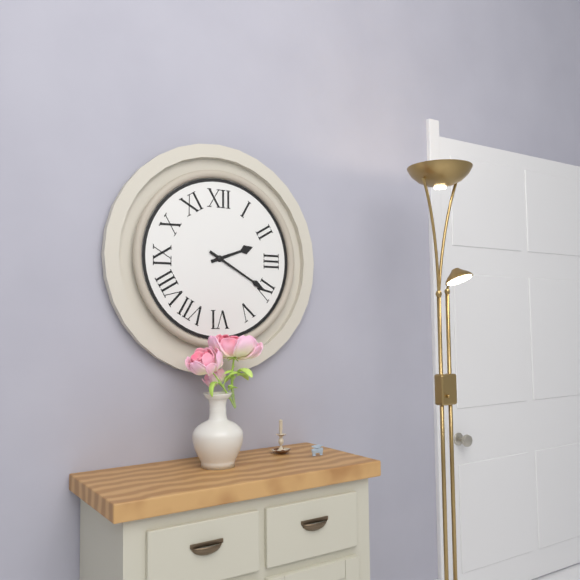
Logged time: 2,20
